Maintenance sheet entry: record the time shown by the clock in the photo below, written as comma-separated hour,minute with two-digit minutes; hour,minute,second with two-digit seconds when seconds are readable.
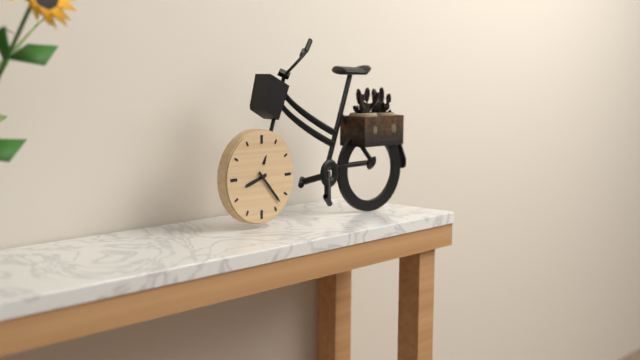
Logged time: 8,23
